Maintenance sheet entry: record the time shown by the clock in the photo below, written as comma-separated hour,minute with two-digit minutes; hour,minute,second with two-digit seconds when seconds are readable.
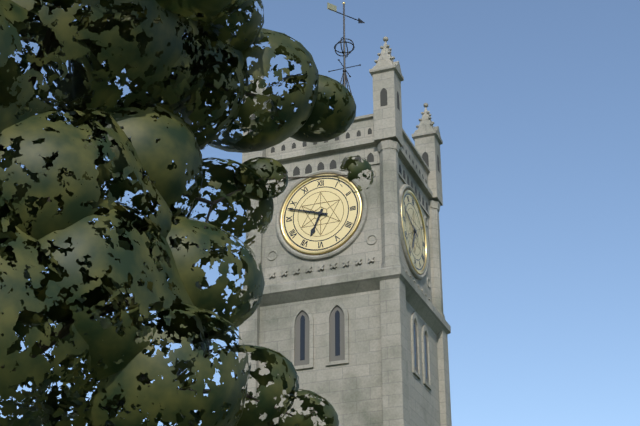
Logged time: 6,48
